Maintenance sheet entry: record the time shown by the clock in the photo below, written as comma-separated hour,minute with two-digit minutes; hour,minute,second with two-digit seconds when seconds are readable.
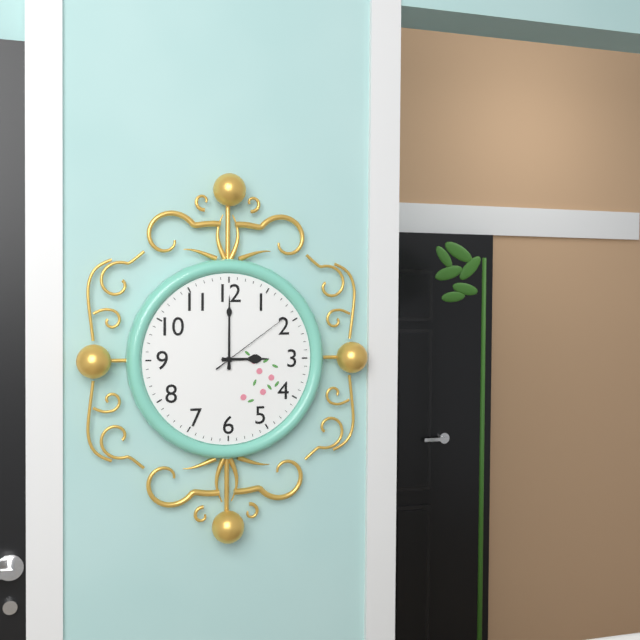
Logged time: 3,00,09
